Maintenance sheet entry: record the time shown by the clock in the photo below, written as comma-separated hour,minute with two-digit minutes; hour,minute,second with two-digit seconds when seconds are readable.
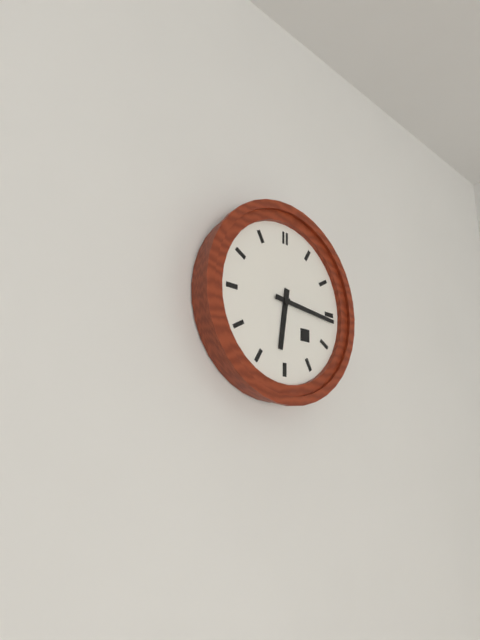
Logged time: 6,16
